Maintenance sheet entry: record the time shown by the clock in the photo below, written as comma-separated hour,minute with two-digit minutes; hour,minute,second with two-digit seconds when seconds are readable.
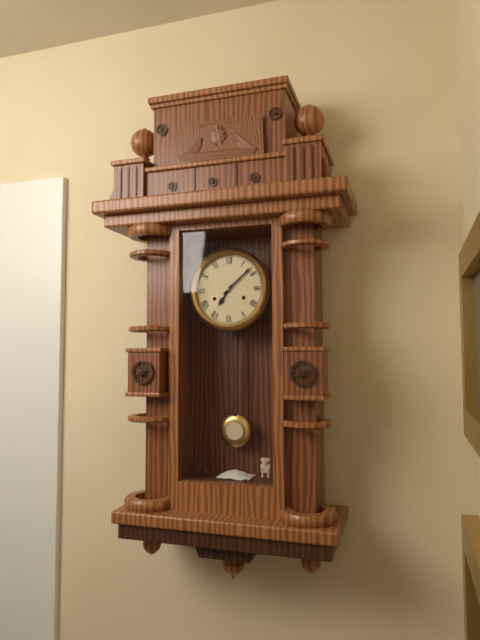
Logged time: 7,08
